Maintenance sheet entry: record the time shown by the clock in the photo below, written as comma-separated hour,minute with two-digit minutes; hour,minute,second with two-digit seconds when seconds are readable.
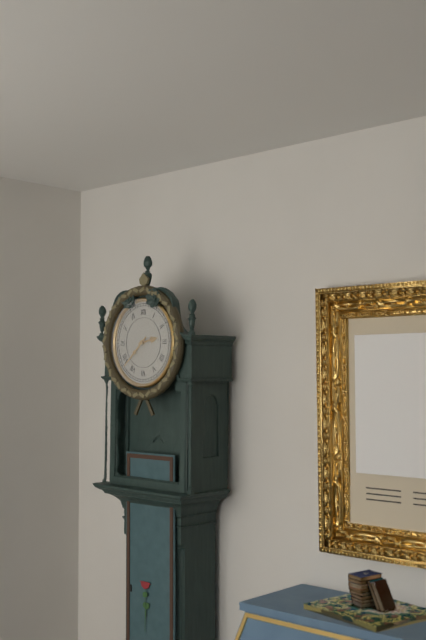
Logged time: 2,38
